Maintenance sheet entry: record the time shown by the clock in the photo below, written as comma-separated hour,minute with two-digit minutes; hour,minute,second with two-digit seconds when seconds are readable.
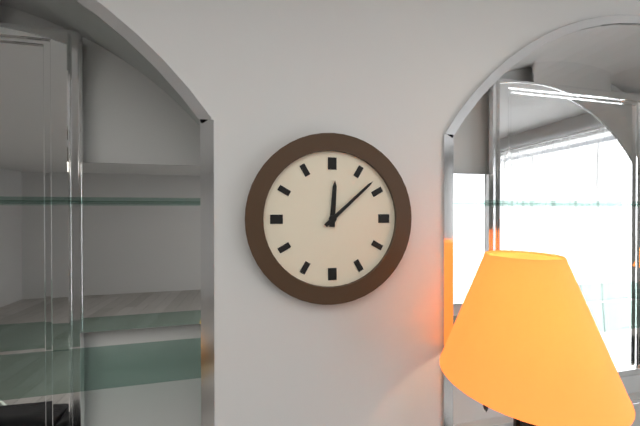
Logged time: 12,08
